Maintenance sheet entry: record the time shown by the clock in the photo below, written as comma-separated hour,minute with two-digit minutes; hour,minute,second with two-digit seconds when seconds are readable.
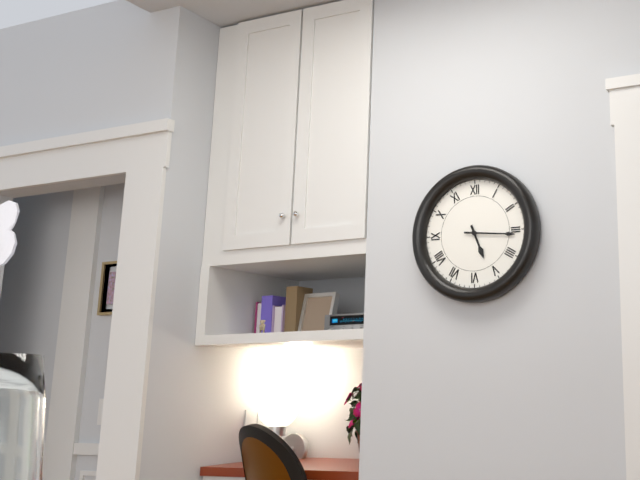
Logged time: 5,16
